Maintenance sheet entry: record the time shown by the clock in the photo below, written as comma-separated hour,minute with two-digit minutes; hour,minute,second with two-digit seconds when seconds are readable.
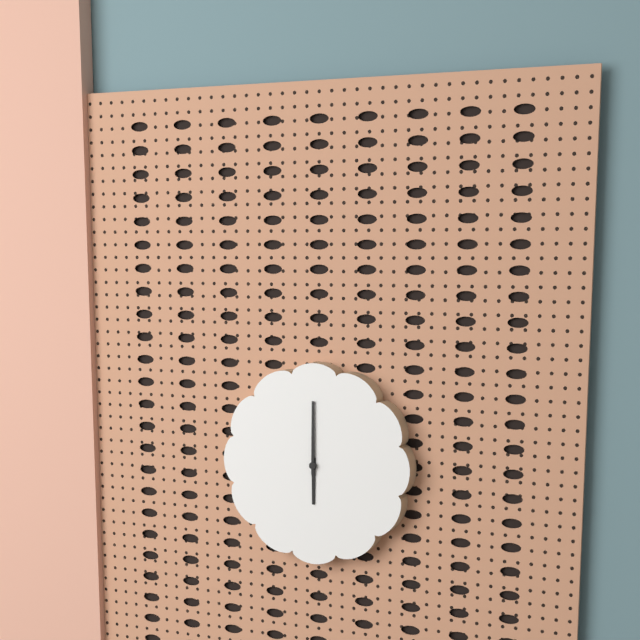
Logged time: 6,00
